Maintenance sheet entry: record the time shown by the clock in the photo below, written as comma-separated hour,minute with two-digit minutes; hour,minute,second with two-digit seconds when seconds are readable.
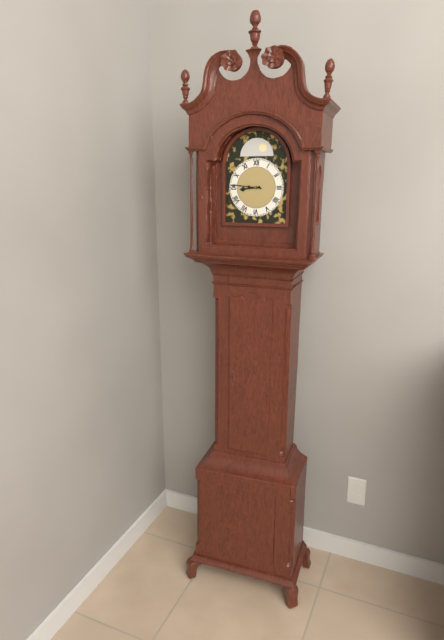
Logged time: 8,46
